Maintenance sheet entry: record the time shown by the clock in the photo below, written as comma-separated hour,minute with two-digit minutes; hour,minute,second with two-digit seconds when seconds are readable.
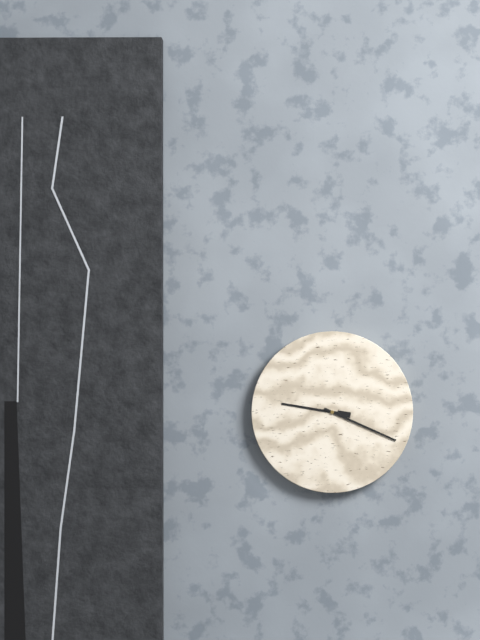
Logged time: 9,19
